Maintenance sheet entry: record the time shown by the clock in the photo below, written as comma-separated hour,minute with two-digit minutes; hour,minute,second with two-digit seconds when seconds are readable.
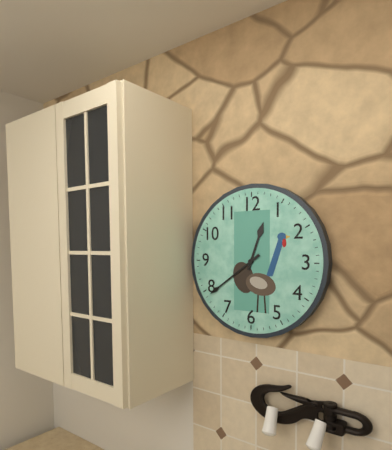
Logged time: 12,39
